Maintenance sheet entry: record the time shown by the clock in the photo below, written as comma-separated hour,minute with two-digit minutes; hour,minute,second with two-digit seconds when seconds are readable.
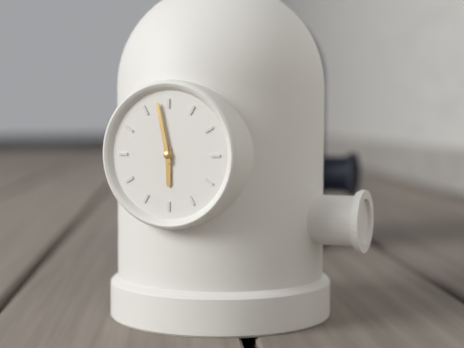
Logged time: 5,58
